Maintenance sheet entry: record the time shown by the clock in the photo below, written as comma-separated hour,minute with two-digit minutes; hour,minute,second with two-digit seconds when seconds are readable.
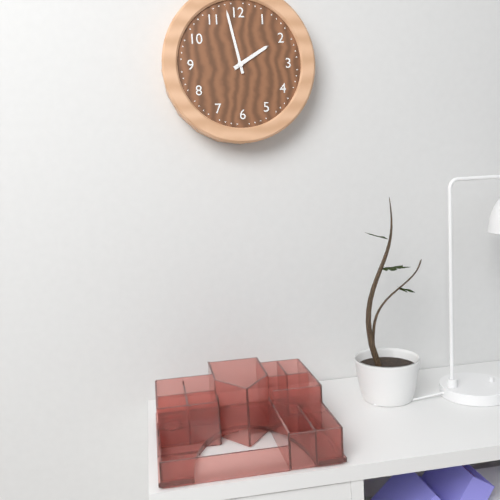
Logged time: 1,58
